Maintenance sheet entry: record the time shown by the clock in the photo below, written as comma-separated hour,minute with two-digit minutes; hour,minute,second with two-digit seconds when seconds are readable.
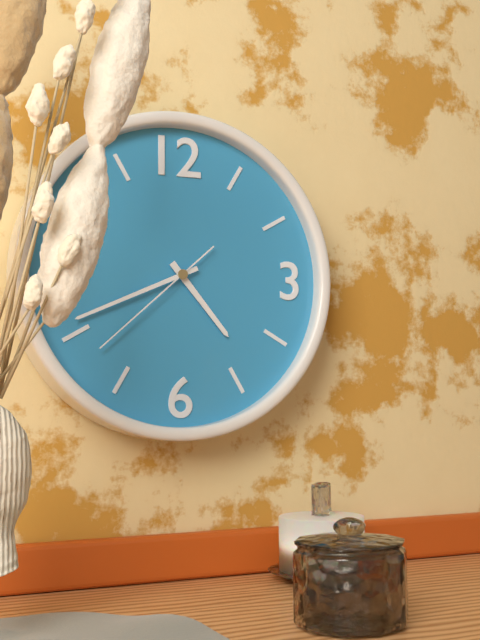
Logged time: 4,41,38
